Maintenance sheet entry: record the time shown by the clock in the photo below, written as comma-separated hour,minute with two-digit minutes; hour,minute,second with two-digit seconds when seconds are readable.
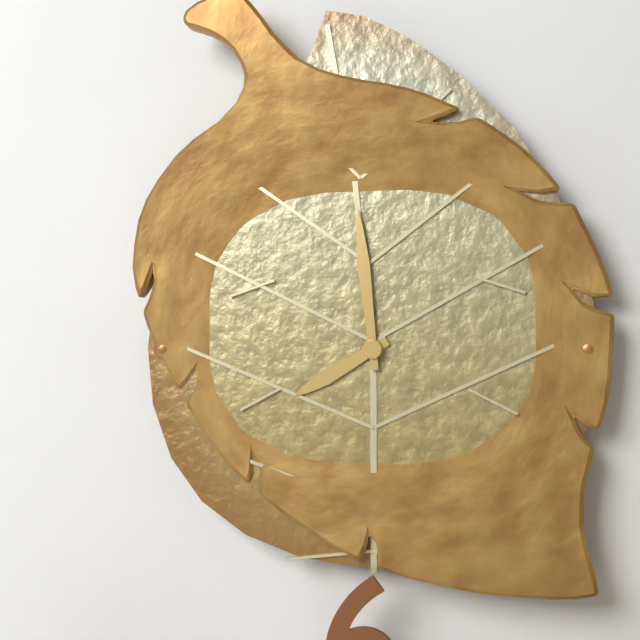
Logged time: 7,59
